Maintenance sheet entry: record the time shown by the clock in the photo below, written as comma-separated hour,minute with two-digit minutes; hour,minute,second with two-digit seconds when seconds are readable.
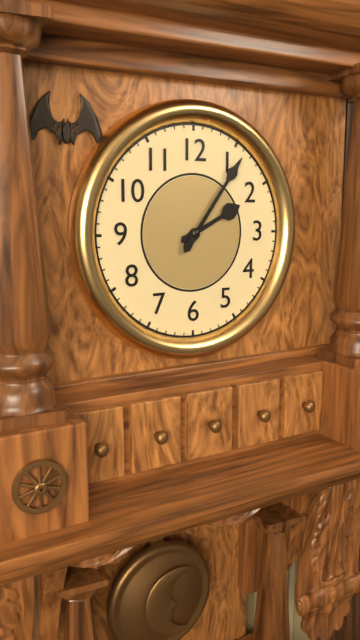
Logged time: 2,06
